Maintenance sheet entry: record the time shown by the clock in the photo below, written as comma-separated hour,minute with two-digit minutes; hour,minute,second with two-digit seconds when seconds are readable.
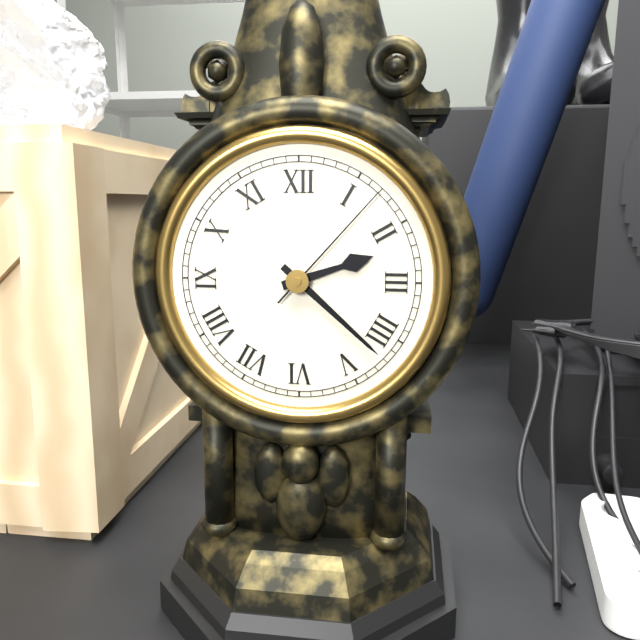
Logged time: 2,22,07
